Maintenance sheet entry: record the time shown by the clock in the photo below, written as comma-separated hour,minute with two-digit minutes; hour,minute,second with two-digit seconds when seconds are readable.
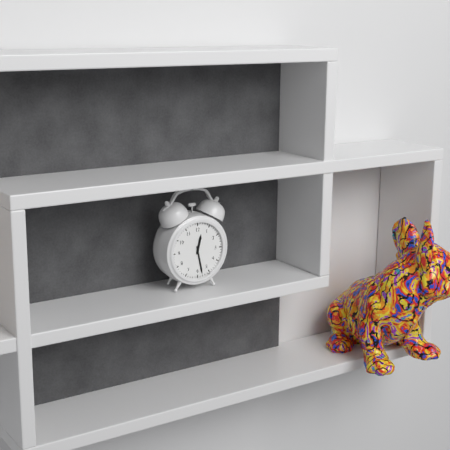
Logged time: 12,28
